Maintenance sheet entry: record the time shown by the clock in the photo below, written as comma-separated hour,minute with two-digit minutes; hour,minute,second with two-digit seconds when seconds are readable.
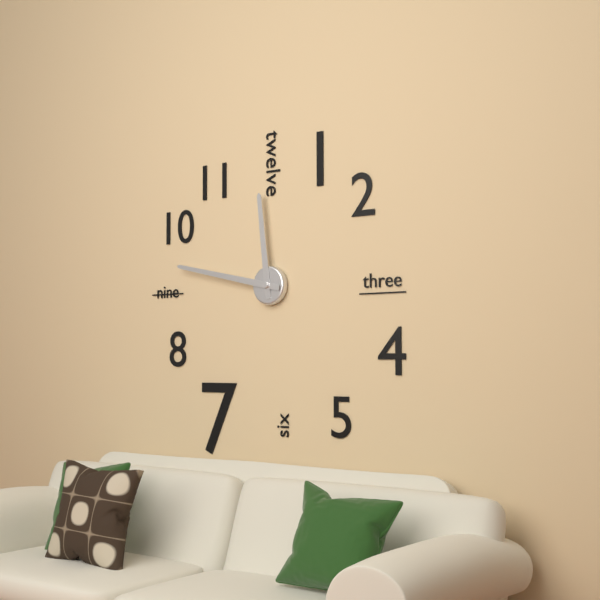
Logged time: 11,47
